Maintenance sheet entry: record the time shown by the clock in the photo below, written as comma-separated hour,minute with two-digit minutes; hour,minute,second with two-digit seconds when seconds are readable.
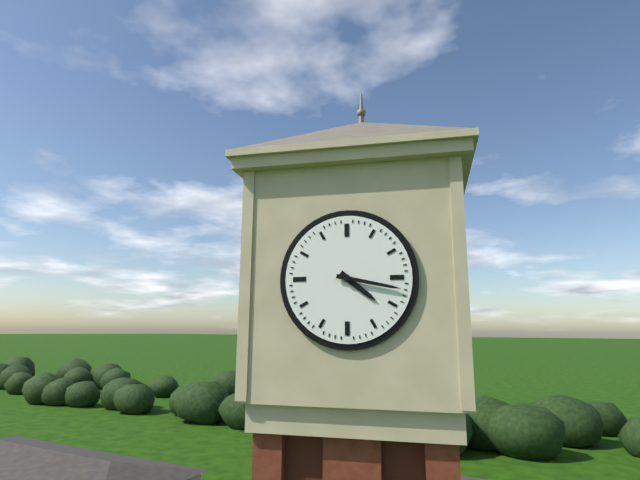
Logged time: 4,17
